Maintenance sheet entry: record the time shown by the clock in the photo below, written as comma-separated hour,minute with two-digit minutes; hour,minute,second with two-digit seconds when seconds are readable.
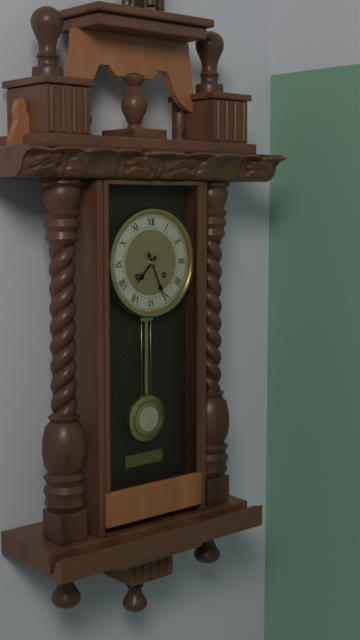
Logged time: 7,26
